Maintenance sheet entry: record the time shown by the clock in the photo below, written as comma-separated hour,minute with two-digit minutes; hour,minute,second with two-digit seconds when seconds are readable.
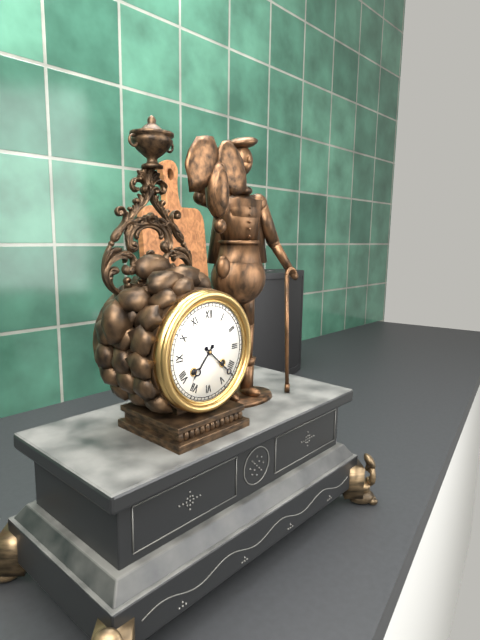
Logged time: 7,22
